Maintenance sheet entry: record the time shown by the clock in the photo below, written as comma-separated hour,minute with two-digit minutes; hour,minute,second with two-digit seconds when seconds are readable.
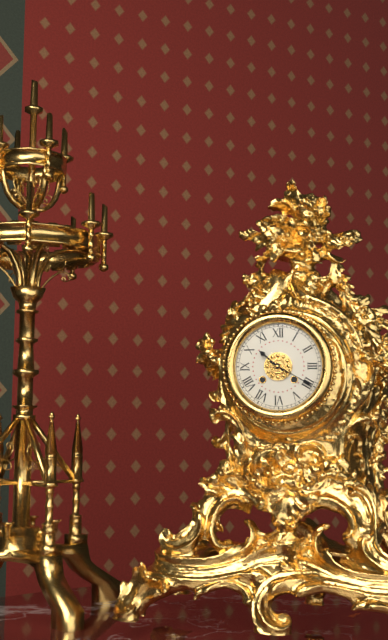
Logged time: 10,20
